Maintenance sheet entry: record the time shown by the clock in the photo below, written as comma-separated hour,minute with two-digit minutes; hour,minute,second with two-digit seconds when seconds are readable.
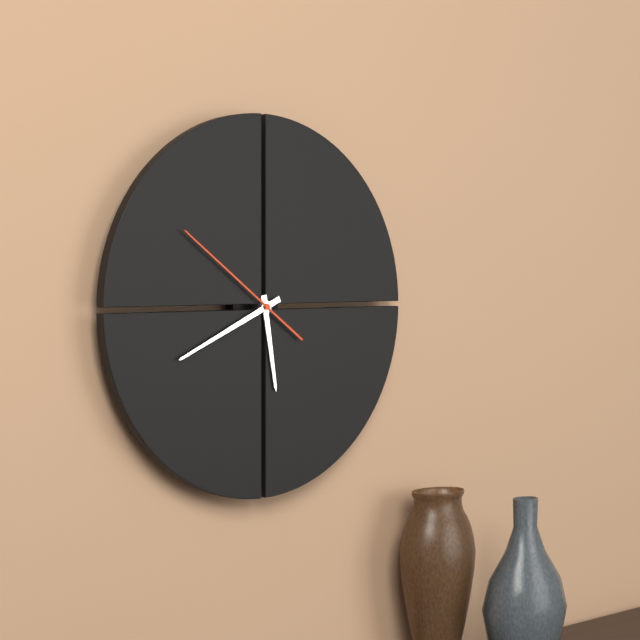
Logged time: 5,41,51
